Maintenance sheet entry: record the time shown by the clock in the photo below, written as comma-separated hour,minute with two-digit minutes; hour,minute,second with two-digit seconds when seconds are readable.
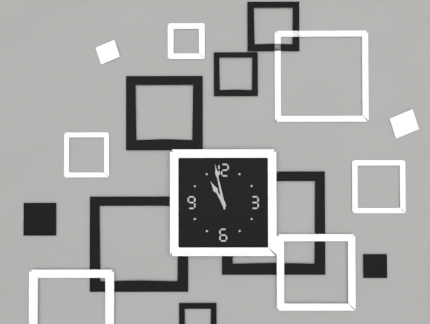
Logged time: 10,58
